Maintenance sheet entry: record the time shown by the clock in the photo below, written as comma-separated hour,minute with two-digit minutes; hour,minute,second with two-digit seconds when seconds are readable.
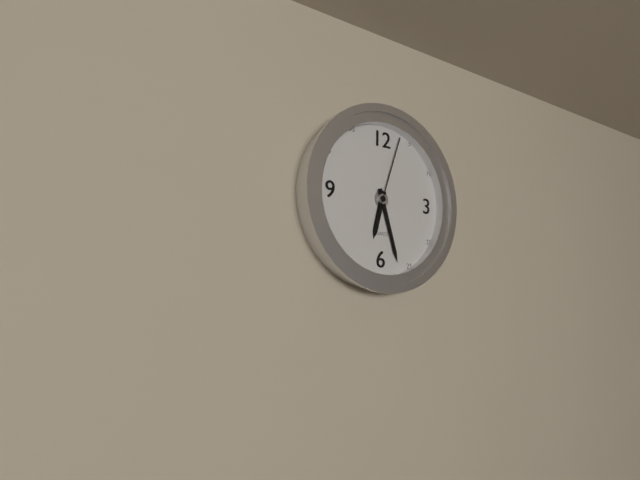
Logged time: 6,27,03
